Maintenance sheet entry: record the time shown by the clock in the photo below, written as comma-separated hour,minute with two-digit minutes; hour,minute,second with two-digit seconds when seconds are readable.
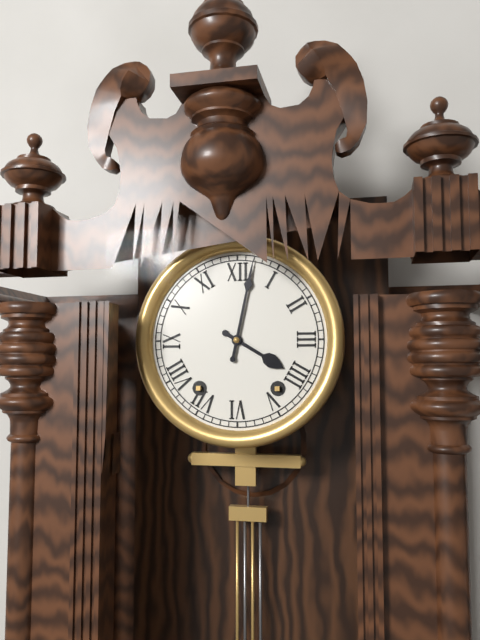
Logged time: 4,02
